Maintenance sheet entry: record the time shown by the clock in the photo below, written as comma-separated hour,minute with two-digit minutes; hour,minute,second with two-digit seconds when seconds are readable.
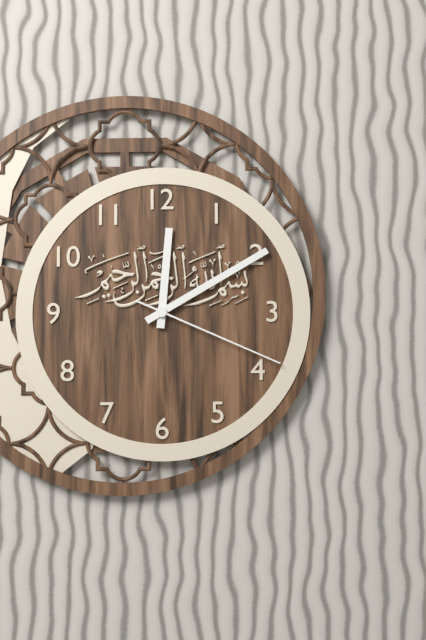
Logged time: 12,10,19
